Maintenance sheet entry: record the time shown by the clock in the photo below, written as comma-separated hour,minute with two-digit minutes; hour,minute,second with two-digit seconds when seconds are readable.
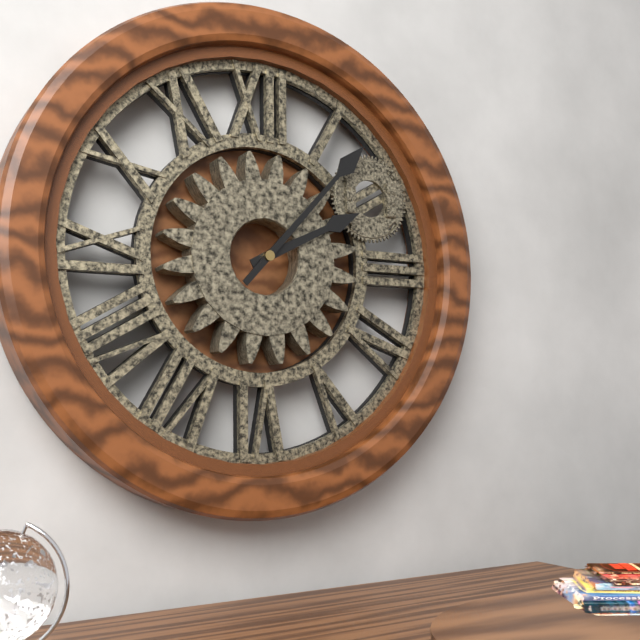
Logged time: 2,07
